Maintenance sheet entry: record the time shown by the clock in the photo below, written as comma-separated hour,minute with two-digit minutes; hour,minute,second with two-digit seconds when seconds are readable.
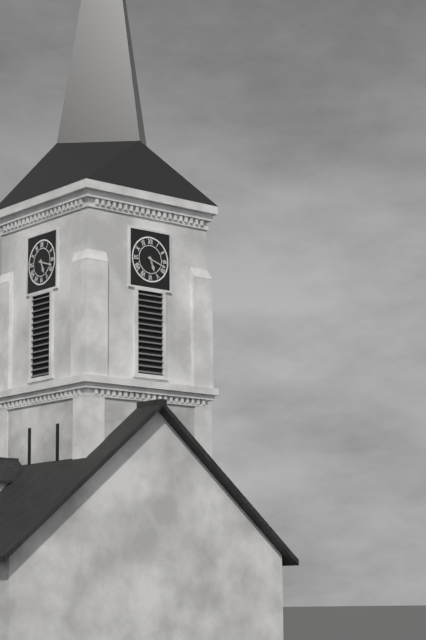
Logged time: 5,18
